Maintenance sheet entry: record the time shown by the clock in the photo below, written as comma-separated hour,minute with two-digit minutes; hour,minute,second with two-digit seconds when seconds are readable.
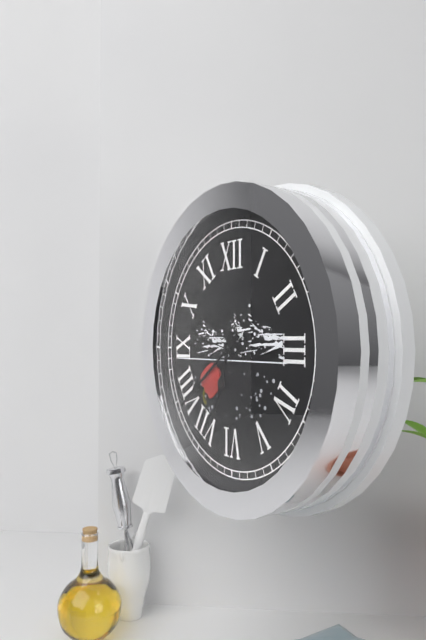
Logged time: 6,39,47
